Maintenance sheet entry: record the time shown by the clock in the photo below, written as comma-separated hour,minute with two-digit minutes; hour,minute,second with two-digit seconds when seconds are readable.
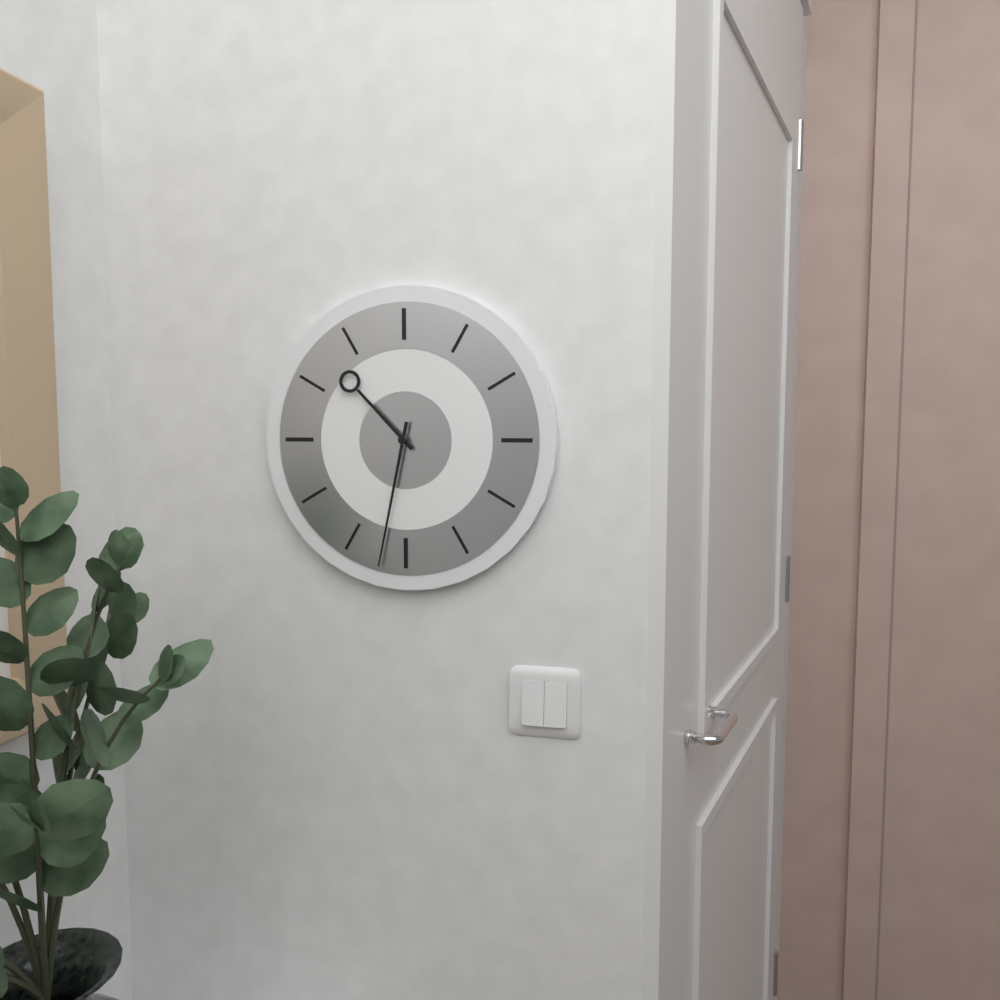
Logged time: 10,32
